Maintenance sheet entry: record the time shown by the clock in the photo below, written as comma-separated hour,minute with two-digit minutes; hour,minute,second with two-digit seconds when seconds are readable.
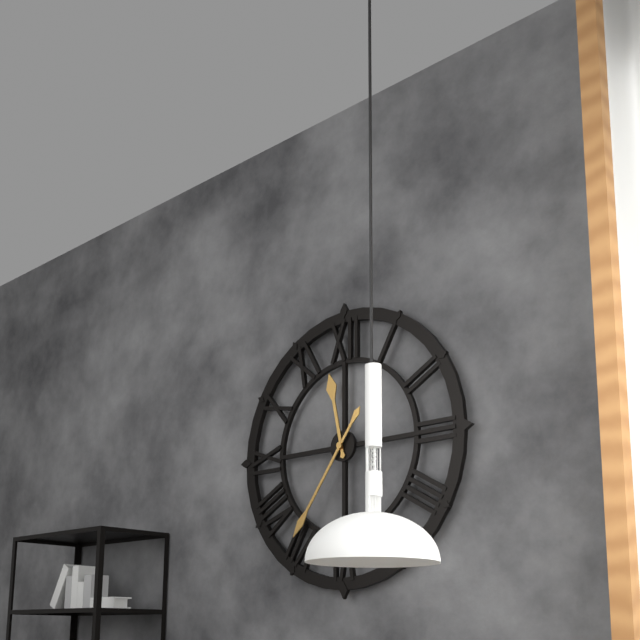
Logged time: 11,36
